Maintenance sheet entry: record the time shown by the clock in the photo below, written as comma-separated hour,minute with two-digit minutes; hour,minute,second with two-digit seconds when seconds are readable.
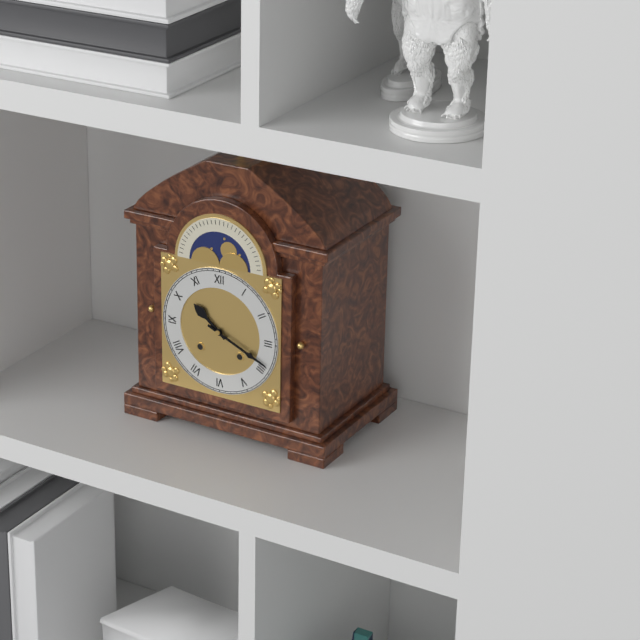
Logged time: 10,19
